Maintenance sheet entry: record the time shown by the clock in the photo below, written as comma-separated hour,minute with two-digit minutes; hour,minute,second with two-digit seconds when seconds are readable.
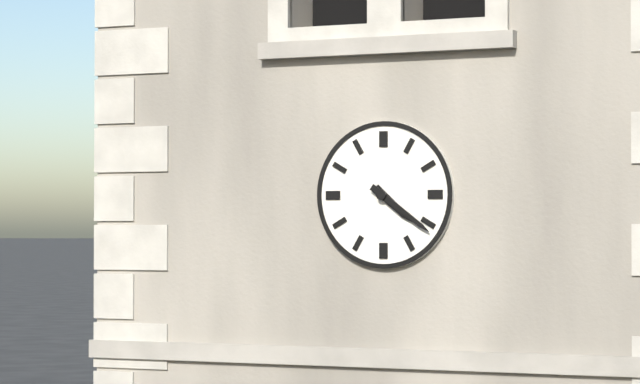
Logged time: 4,21
